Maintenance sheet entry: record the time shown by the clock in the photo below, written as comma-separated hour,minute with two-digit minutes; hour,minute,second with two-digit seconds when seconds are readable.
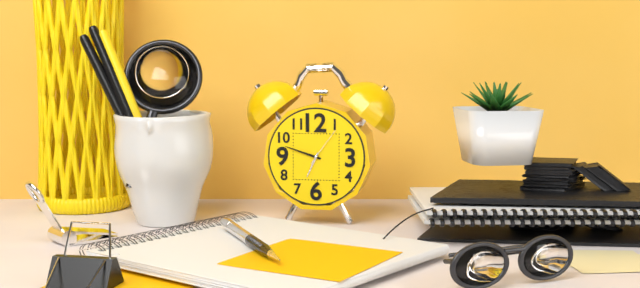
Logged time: 6,48
